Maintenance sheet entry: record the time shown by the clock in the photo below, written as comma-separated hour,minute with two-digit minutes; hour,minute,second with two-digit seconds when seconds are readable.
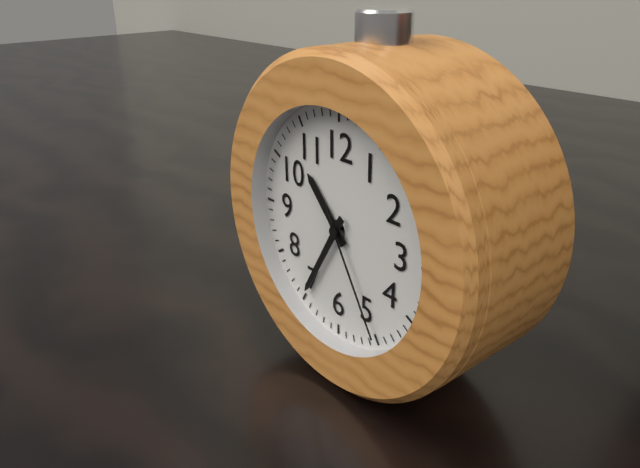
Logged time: 10,35,25
